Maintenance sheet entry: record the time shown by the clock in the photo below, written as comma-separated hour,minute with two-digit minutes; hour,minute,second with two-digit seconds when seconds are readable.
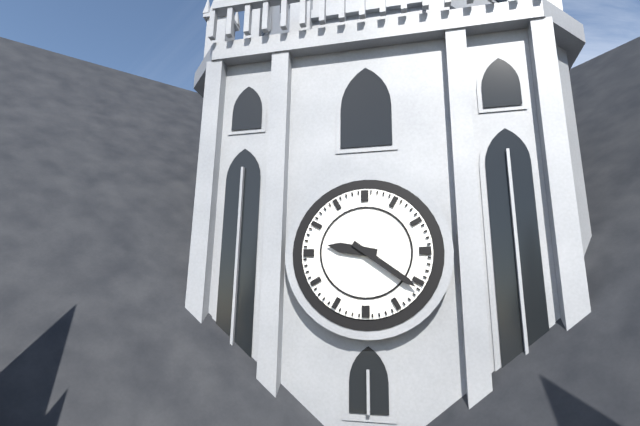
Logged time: 9,21
